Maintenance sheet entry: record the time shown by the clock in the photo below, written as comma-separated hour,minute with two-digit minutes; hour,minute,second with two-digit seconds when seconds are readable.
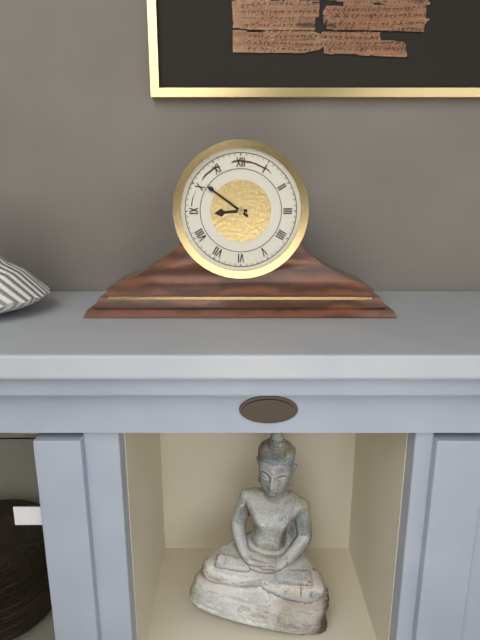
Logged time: 8,51
